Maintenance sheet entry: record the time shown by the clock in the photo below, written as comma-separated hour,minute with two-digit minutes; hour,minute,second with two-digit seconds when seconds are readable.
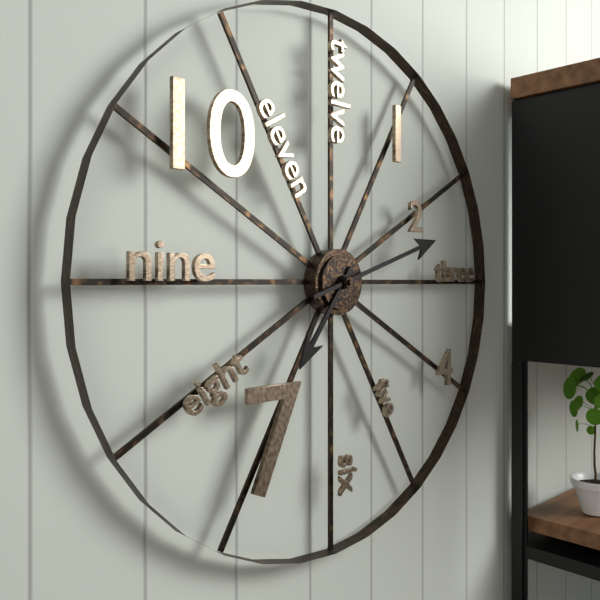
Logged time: 7,12
